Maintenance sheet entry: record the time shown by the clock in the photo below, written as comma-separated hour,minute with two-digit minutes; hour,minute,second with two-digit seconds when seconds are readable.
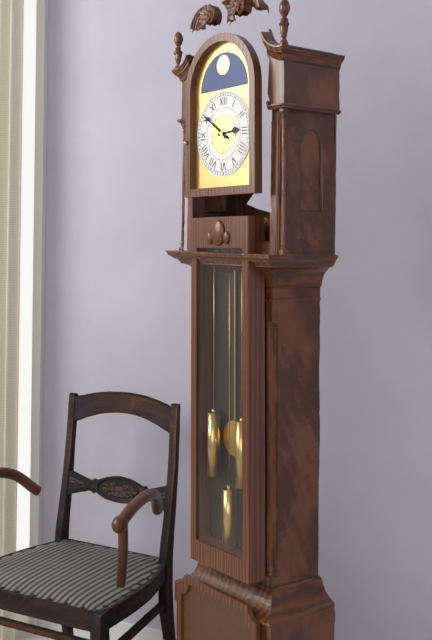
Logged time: 2,51
